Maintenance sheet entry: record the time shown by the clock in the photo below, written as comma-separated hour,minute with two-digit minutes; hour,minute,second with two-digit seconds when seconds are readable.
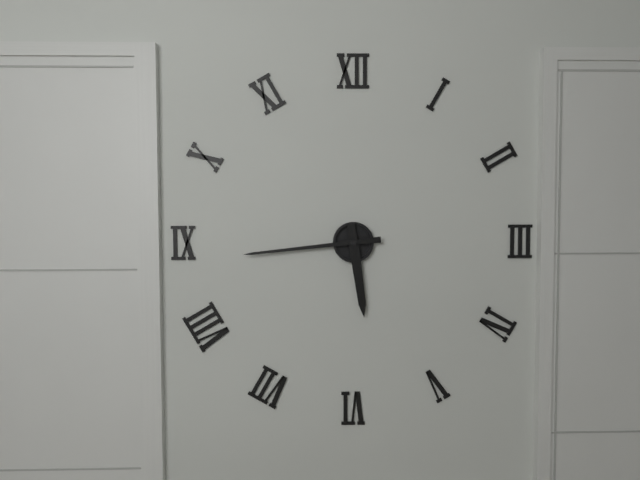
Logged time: 5,44
